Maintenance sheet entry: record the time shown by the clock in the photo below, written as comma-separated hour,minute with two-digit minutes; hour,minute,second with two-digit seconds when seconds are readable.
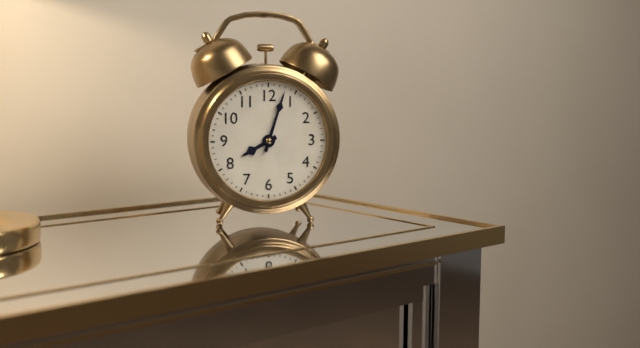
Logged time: 8,03
